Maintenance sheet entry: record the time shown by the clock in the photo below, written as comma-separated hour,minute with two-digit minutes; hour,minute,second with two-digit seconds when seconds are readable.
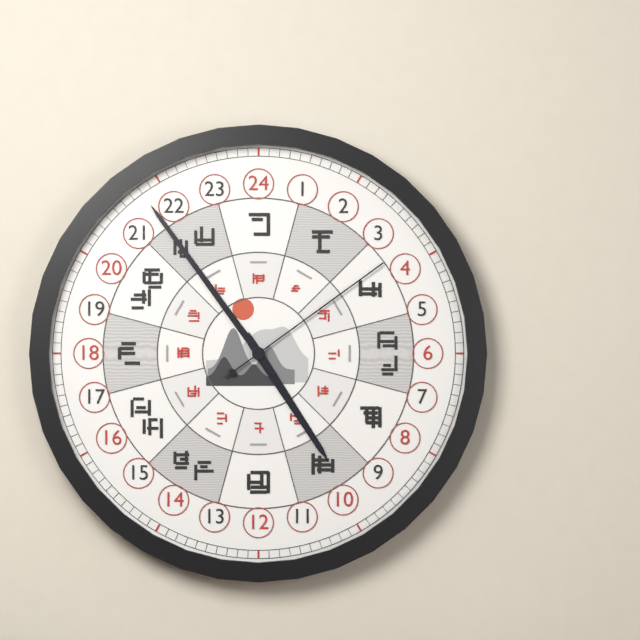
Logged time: 4,54,09
